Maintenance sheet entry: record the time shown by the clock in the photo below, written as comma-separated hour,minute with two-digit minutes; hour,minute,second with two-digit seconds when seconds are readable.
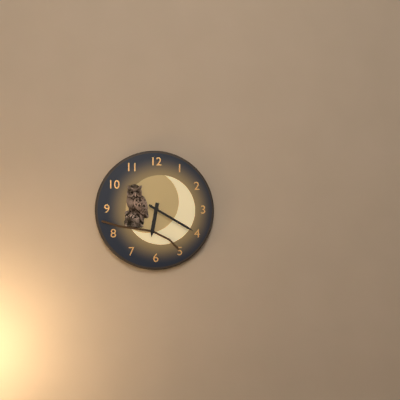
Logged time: 6,20
